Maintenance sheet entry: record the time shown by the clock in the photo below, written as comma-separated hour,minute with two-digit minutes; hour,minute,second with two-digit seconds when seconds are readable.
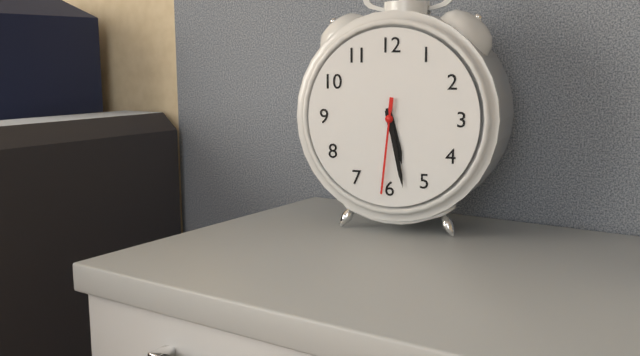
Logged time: 5,28,31
